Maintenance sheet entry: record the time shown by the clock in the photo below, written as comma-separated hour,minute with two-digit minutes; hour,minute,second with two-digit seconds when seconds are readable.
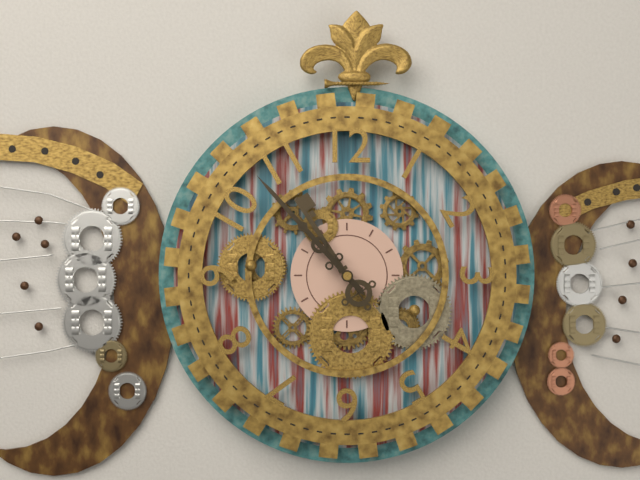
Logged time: 10,53
